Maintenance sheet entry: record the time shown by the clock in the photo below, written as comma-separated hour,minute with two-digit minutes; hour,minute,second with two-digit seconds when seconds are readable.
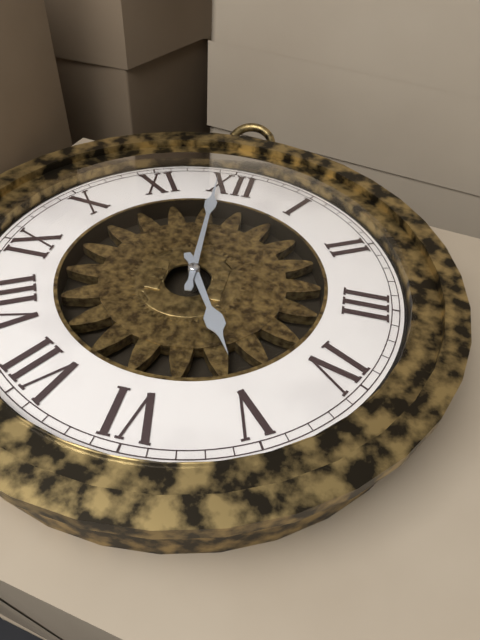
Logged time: 4,59
